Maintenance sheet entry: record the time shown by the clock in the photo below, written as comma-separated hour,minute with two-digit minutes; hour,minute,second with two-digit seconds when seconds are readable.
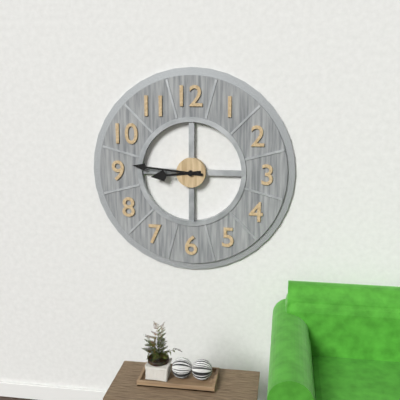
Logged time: 8,46
